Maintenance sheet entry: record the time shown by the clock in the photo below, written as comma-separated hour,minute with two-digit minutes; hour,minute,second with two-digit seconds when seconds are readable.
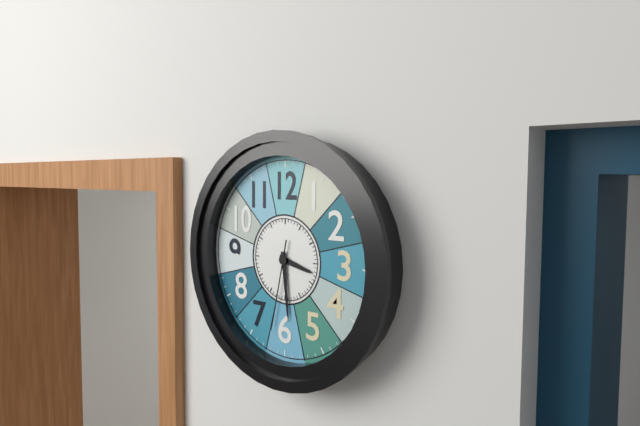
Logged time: 3,29,32
